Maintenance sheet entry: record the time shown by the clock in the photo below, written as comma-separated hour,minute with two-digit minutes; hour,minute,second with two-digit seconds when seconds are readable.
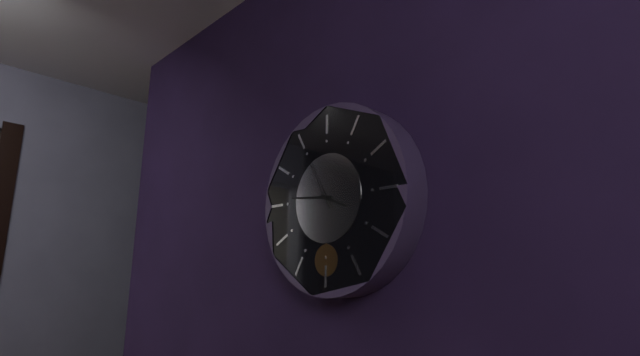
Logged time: 3,46,55
